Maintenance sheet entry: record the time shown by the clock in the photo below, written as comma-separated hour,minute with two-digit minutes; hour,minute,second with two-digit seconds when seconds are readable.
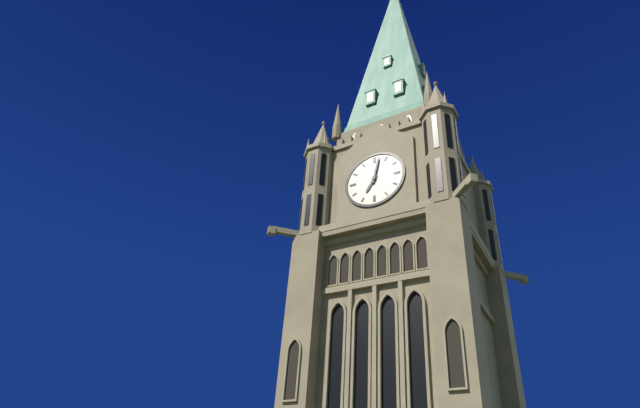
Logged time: 7,02
